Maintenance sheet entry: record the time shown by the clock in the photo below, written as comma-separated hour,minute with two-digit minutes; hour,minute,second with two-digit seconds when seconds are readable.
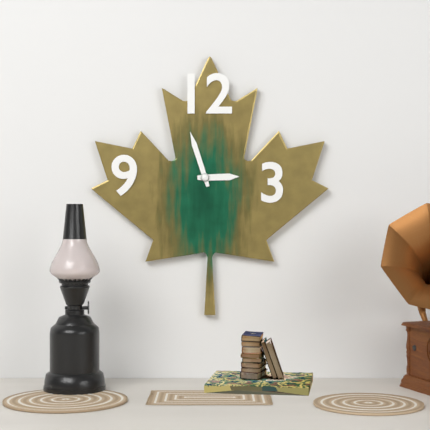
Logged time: 2,57
